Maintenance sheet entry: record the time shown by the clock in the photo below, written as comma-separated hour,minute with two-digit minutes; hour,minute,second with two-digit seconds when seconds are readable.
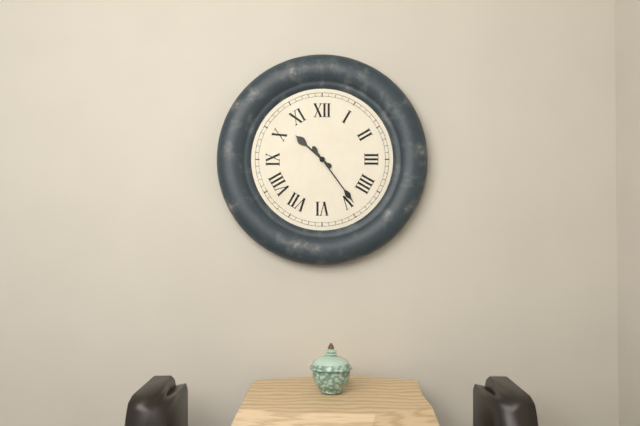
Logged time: 10,24
